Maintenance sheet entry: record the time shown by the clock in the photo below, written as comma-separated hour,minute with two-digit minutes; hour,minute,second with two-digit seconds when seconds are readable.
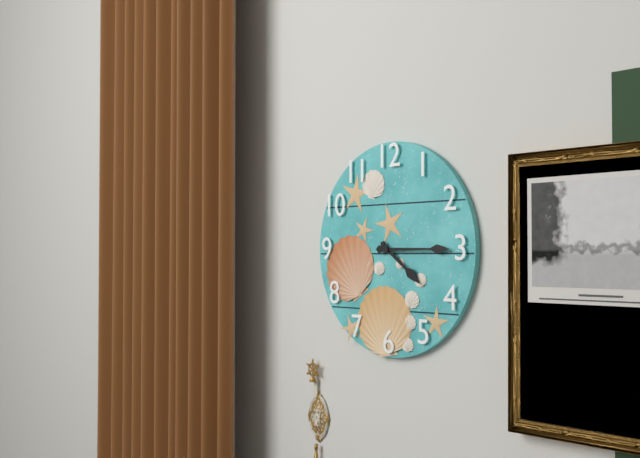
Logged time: 4,15
